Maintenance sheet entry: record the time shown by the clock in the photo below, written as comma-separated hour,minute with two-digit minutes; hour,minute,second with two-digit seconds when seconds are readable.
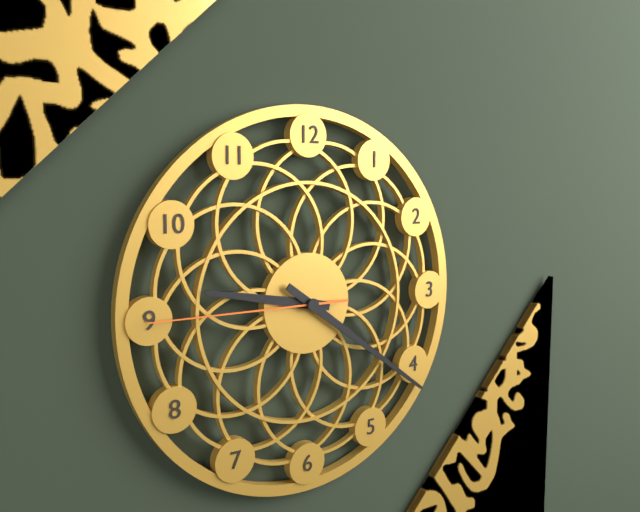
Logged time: 9,21,45
